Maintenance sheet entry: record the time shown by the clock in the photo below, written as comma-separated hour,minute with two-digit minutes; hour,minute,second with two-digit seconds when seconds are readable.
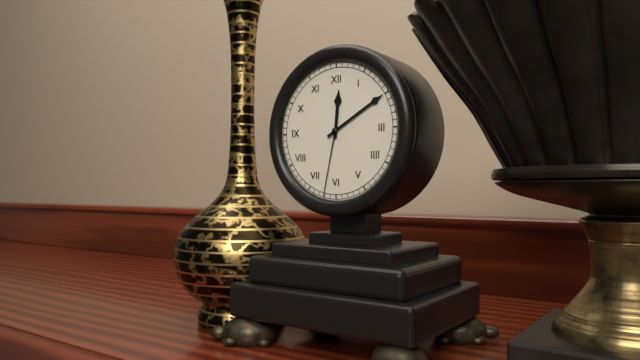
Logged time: 12,10,32
